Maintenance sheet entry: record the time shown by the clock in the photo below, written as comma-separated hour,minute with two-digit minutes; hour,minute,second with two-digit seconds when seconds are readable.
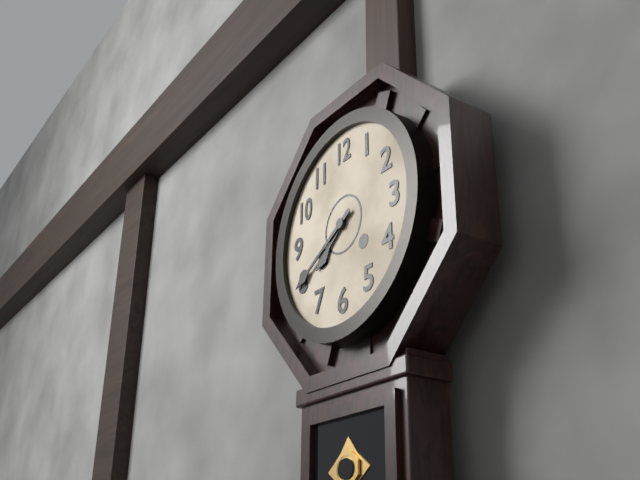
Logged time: 7,40
